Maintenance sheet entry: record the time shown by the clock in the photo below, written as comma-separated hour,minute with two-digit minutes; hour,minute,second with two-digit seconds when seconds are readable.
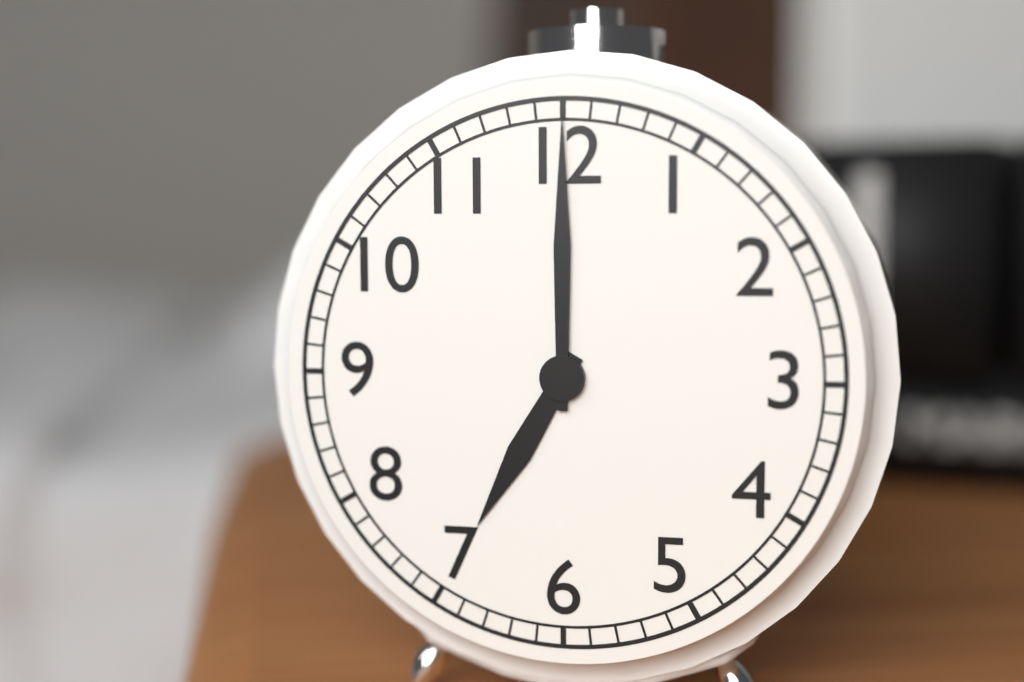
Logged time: 7,00
